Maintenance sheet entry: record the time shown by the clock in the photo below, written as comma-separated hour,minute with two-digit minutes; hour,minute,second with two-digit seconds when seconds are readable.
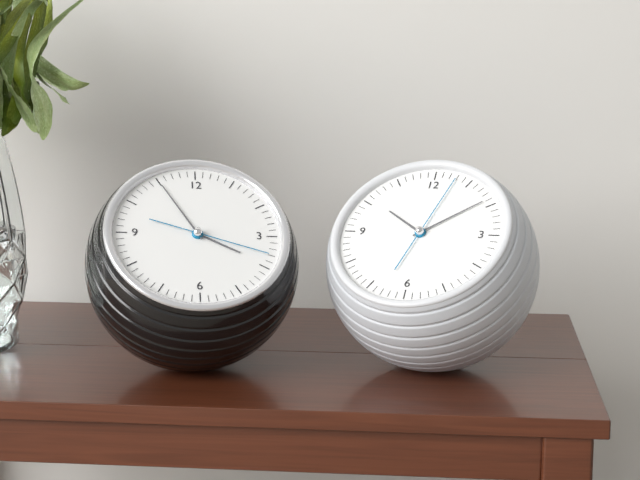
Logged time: 3,55,18
